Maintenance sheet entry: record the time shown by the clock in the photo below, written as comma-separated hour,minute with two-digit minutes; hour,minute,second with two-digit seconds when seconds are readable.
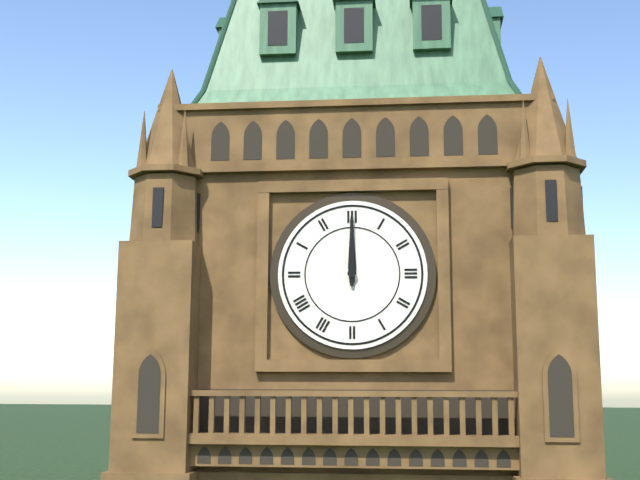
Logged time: 12,00
